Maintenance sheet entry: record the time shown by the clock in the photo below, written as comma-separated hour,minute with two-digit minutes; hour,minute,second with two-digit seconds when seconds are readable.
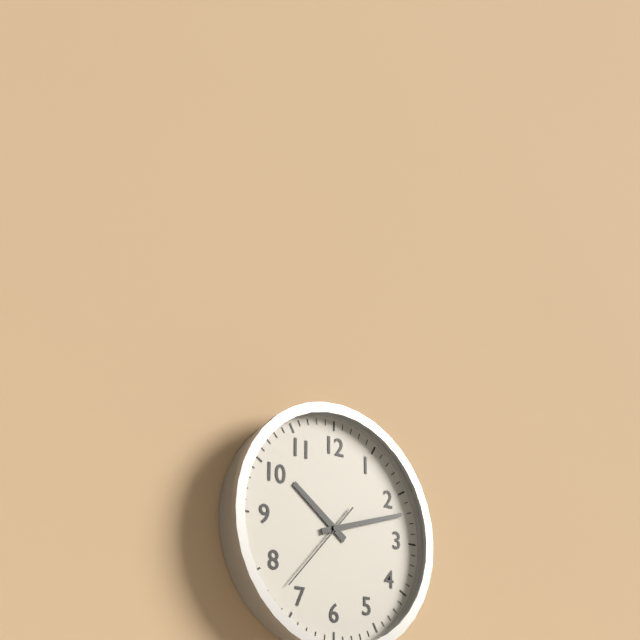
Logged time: 10,12,37
